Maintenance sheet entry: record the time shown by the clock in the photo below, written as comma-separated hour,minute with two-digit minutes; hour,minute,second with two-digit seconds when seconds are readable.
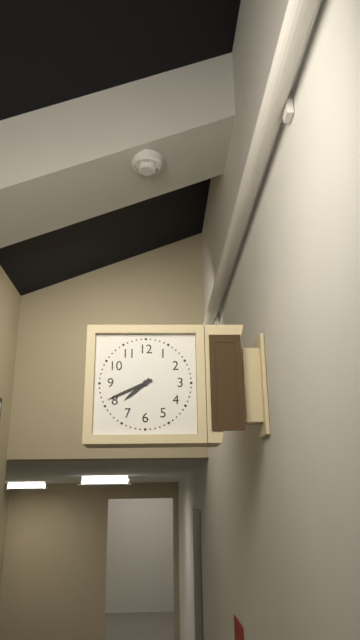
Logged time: 7,41
